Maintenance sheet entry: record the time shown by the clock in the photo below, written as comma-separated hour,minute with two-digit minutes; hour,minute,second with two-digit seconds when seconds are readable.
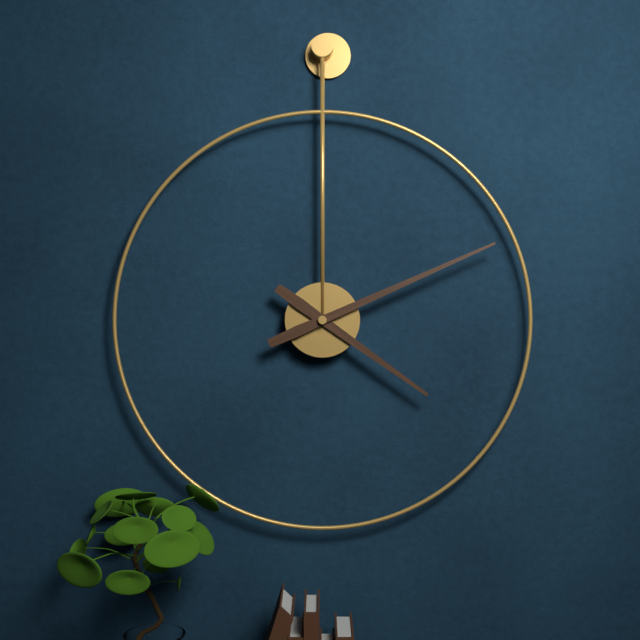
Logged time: 4,11
